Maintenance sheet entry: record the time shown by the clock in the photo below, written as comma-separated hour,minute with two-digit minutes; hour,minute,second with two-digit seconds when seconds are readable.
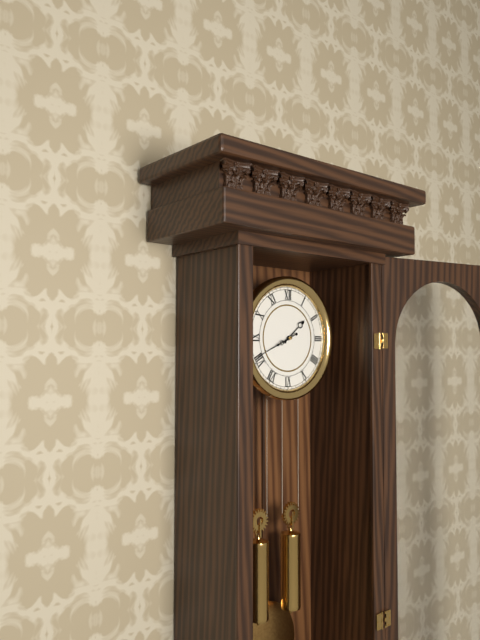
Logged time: 1,41
